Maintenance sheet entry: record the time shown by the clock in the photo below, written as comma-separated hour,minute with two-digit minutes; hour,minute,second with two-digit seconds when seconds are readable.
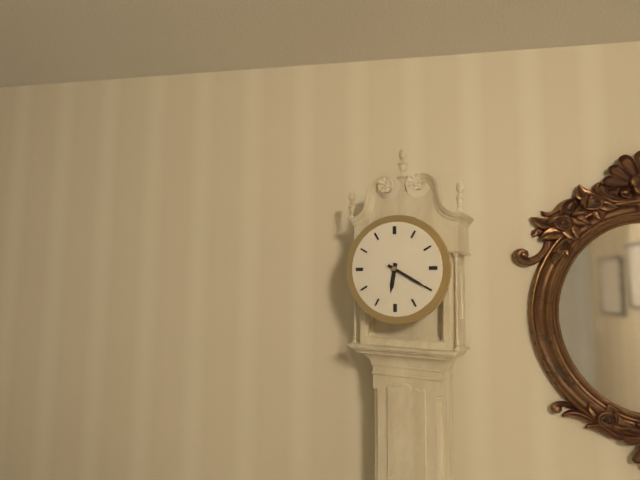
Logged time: 6,20
